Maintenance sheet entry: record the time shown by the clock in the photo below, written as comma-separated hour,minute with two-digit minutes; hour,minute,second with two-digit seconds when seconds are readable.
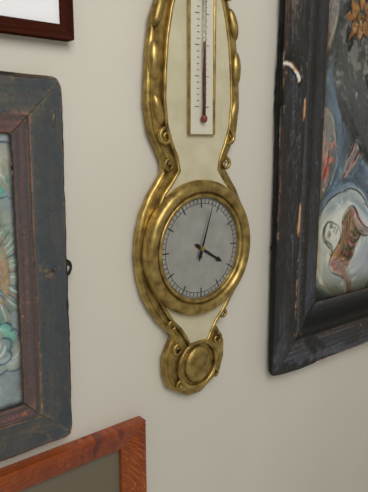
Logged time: 4,03
